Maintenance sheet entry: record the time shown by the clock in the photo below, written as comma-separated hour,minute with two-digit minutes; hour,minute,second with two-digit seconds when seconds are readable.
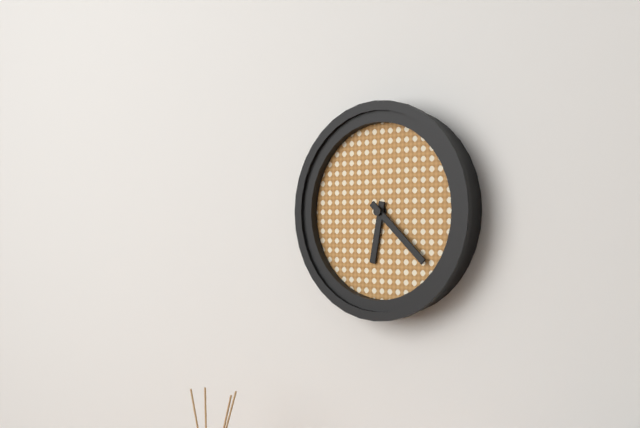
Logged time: 6,22
